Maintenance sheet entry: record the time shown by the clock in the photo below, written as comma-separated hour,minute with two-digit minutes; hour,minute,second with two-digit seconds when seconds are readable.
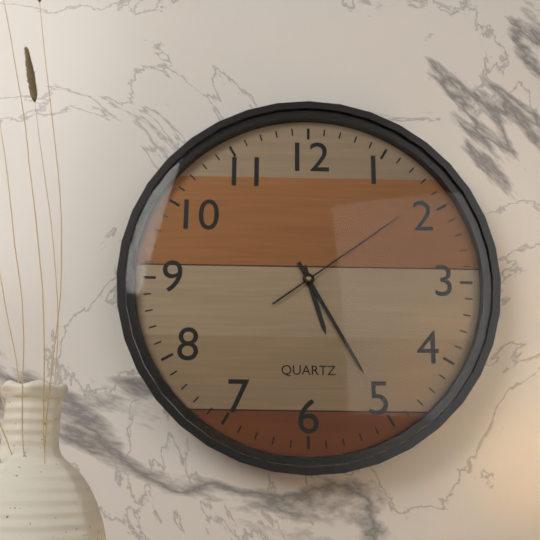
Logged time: 5,25,09
